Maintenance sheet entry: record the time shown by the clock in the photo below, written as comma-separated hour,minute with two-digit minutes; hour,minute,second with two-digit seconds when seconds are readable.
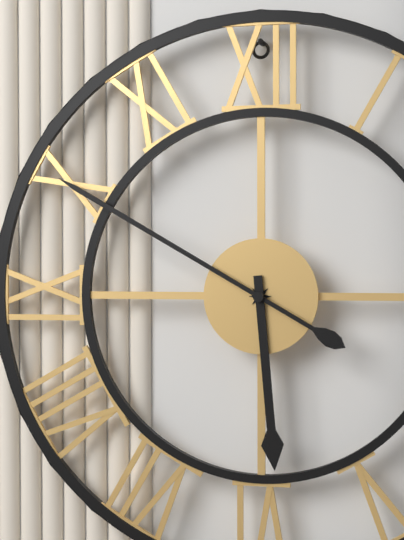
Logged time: 5,50
